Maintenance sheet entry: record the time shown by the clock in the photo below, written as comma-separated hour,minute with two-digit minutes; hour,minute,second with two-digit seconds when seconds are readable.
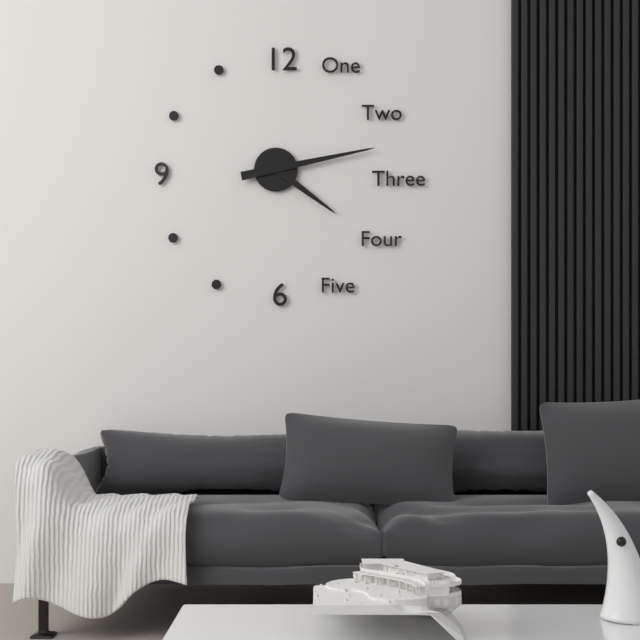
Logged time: 4,13
